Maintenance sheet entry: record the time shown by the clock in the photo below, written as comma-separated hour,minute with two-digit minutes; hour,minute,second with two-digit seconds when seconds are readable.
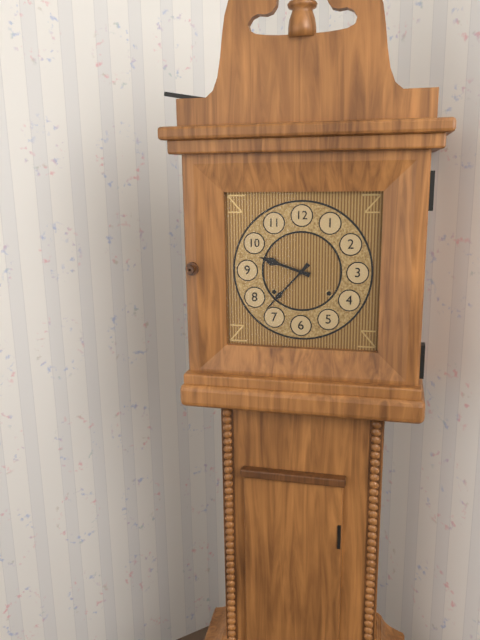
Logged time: 9,37
